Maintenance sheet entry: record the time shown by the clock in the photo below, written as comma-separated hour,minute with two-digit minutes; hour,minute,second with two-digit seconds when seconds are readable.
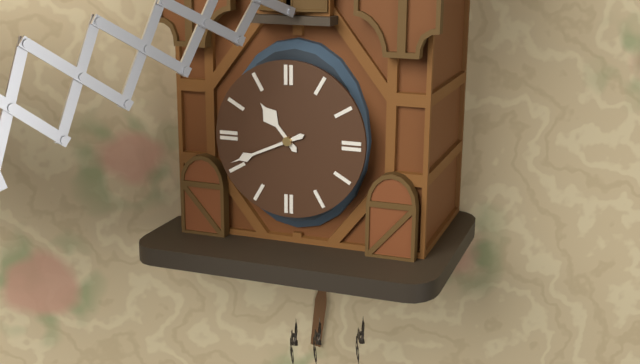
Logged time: 10,41
